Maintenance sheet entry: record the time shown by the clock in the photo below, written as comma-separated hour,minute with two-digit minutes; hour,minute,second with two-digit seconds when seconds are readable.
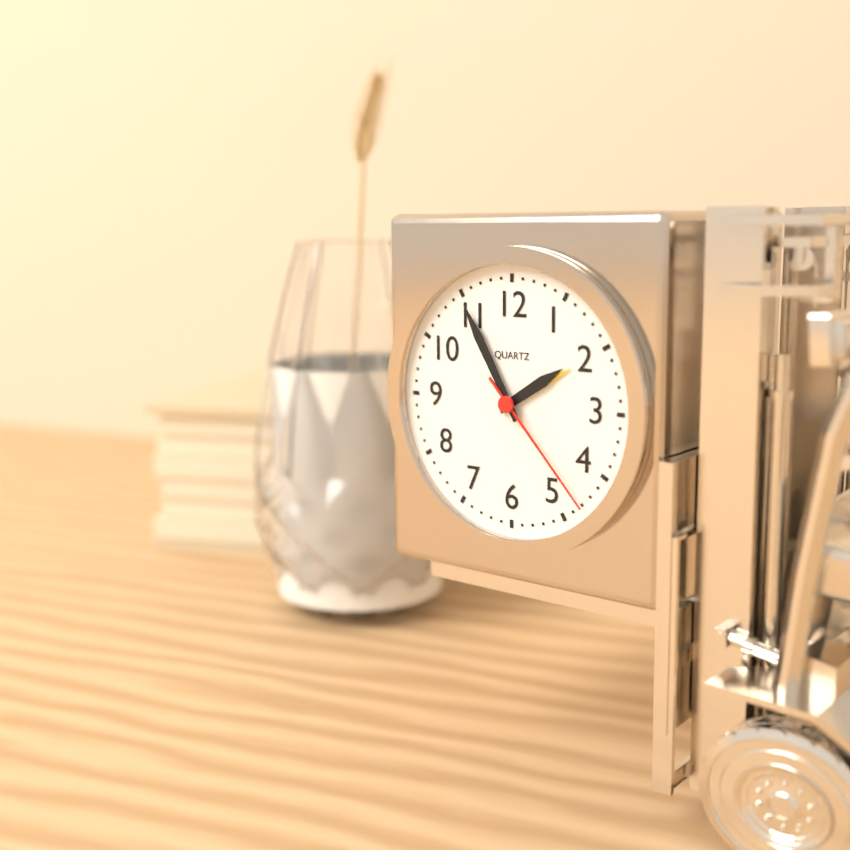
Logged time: 1,55,23
